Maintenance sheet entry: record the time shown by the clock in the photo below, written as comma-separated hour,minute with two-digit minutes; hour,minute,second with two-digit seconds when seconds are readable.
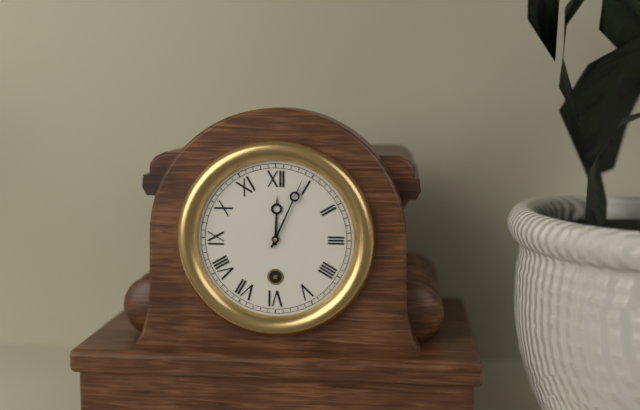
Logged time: 12,04
